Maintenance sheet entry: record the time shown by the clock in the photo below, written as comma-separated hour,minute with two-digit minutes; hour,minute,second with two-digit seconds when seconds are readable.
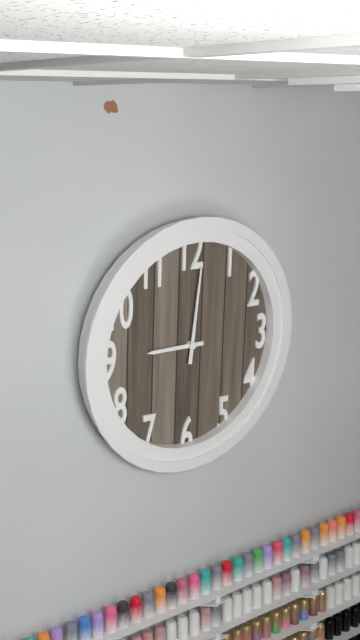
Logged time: 9,01
